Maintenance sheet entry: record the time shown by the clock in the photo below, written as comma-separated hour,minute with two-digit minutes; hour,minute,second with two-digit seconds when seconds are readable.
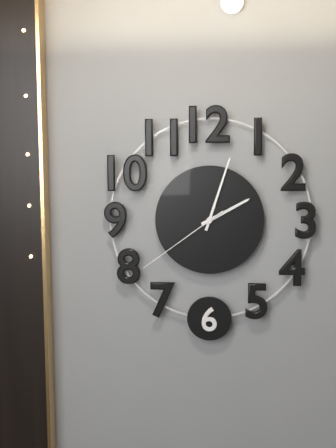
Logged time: 2,03,39
